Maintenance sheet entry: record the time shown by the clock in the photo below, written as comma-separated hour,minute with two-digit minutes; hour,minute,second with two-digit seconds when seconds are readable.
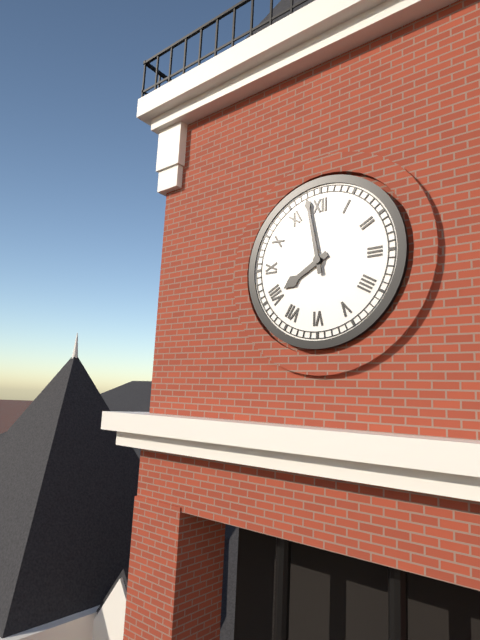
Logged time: 7,58
